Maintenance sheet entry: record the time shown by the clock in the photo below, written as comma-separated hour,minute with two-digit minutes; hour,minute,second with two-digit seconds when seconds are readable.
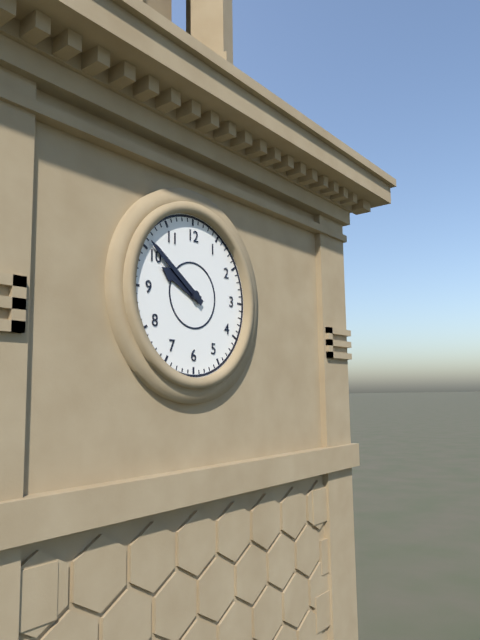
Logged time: 9,51
